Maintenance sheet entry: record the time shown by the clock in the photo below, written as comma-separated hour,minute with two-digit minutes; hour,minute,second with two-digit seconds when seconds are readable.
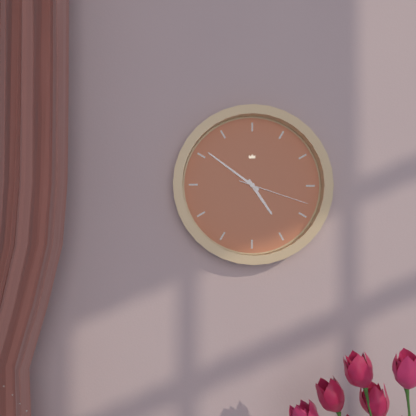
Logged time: 4,51,18
